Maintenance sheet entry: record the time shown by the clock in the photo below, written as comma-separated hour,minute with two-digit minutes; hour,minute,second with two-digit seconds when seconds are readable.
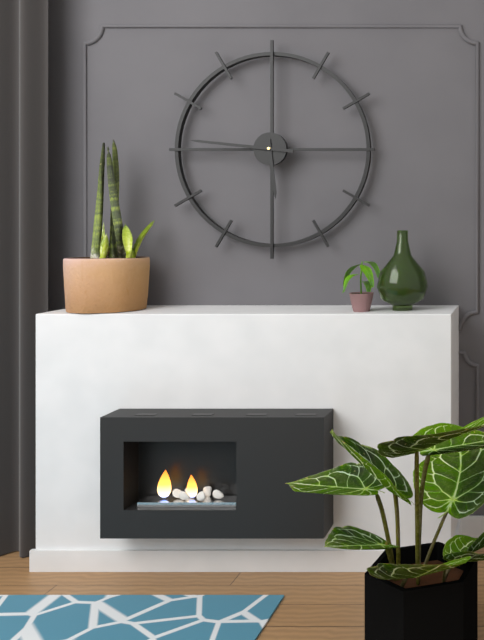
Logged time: 5,46
